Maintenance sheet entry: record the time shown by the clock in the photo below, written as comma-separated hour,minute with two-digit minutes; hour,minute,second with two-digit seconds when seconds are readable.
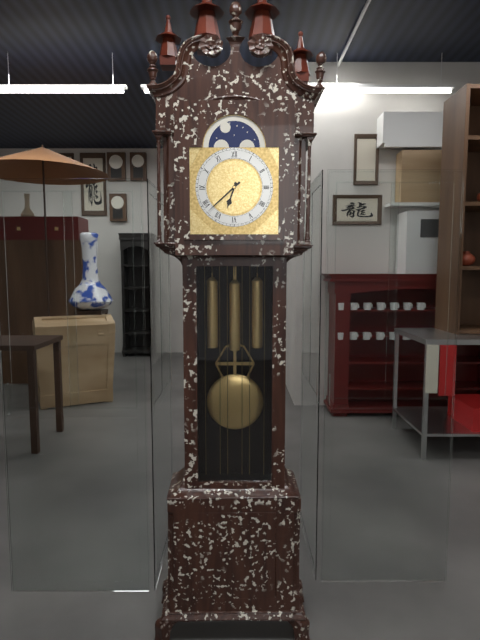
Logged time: 6,38
